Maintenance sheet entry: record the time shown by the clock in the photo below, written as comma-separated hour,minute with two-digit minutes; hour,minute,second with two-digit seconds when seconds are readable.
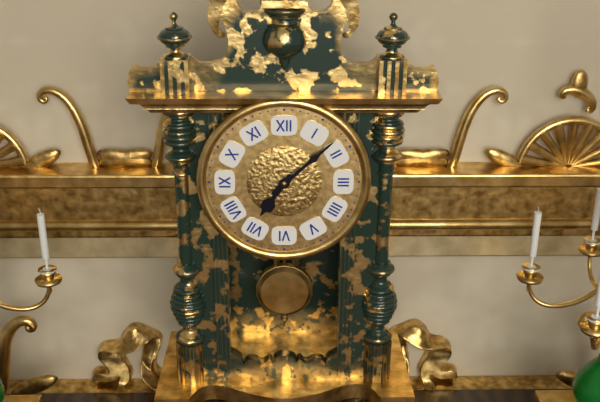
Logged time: 7,08
